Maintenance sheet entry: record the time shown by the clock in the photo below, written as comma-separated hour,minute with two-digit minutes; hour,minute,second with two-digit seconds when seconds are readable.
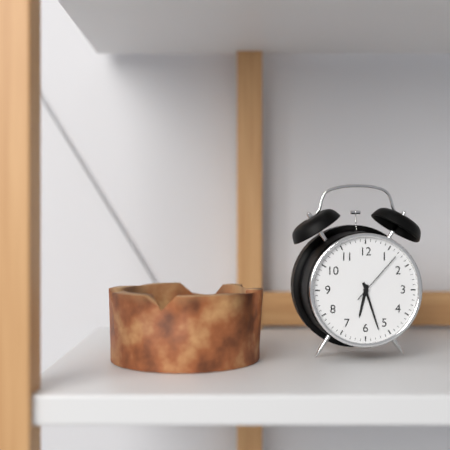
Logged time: 6,27,07
